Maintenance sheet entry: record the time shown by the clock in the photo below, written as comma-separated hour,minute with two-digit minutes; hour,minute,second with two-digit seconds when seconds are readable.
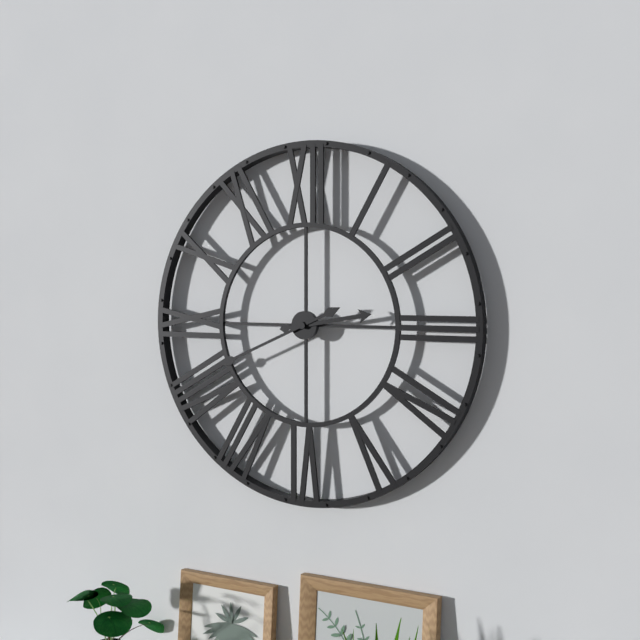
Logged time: 2,41
